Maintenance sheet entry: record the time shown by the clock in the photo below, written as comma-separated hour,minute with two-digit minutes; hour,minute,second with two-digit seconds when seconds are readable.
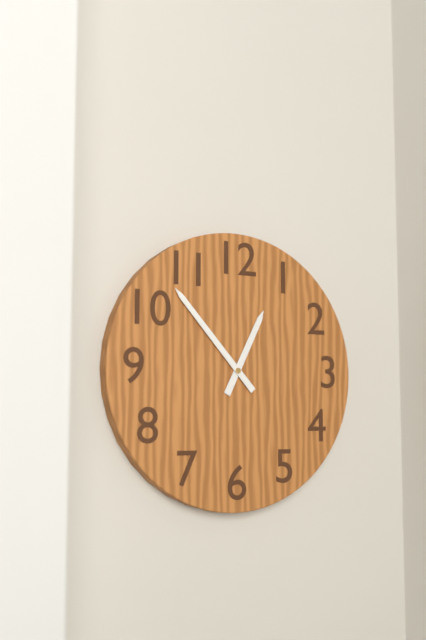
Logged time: 12,53
